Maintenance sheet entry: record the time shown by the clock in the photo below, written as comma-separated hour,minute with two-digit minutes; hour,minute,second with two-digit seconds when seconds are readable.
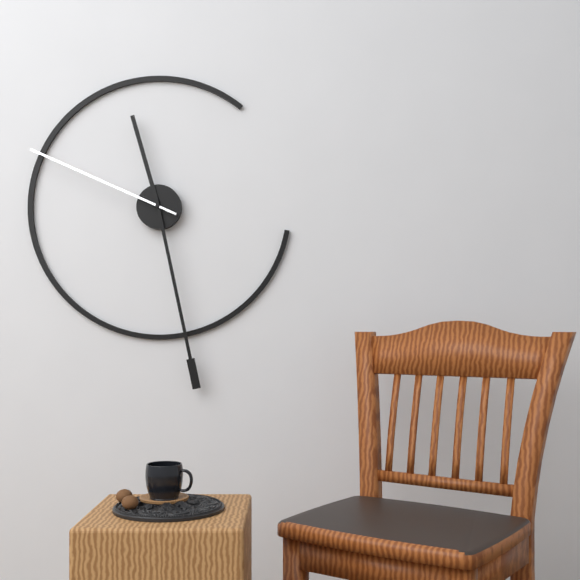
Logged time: 11,28,49
